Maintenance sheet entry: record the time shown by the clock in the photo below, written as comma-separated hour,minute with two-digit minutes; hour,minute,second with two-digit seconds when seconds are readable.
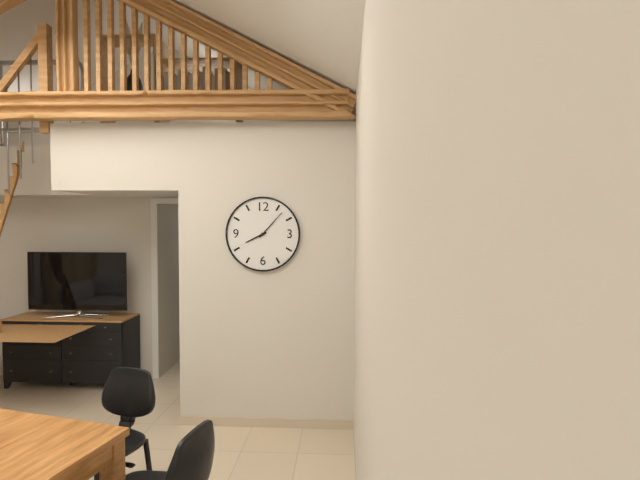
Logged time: 8,07
